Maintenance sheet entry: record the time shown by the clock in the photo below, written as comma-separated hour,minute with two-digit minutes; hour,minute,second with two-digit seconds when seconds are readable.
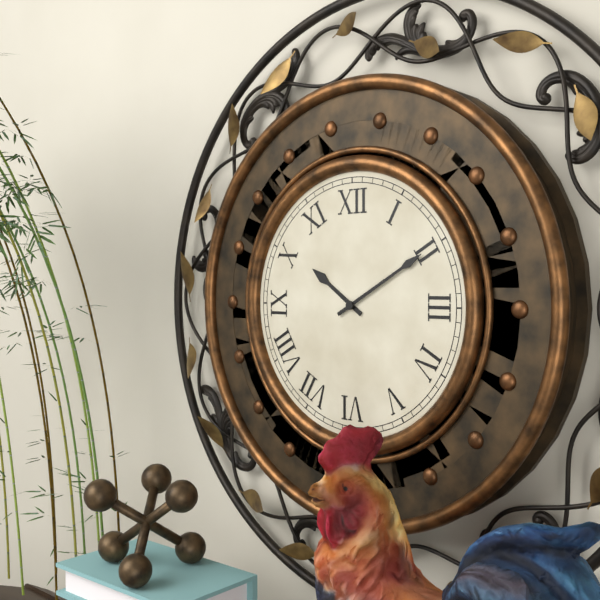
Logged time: 10,10
